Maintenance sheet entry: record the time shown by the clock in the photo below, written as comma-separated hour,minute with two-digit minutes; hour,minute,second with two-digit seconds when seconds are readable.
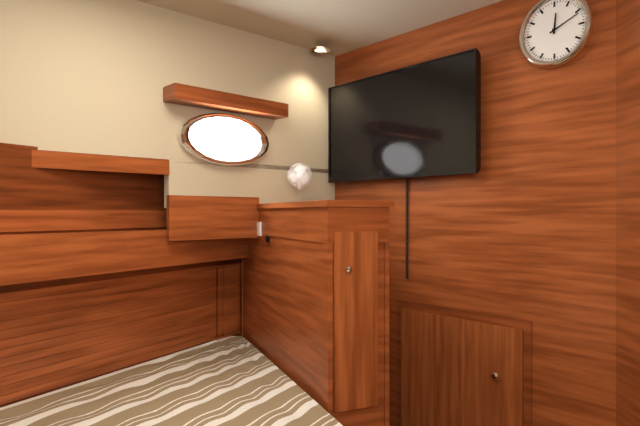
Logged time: 12,11
